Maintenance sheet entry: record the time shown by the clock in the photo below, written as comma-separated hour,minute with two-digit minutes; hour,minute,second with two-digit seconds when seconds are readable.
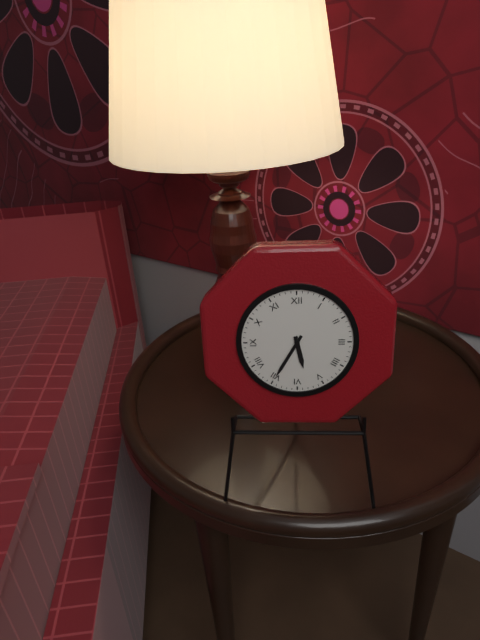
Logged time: 5,35
